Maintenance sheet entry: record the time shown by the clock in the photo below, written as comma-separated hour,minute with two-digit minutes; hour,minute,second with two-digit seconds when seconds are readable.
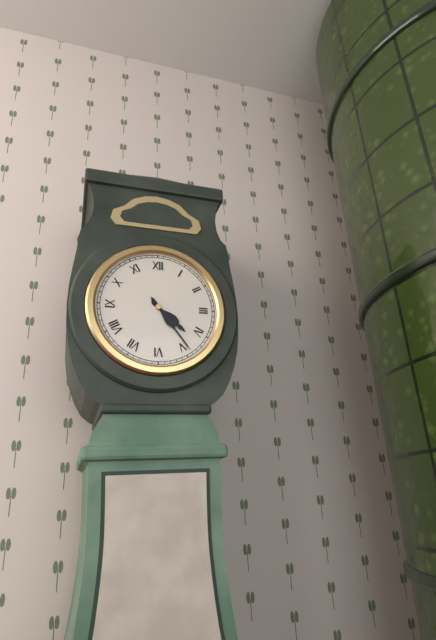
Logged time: 4,24
